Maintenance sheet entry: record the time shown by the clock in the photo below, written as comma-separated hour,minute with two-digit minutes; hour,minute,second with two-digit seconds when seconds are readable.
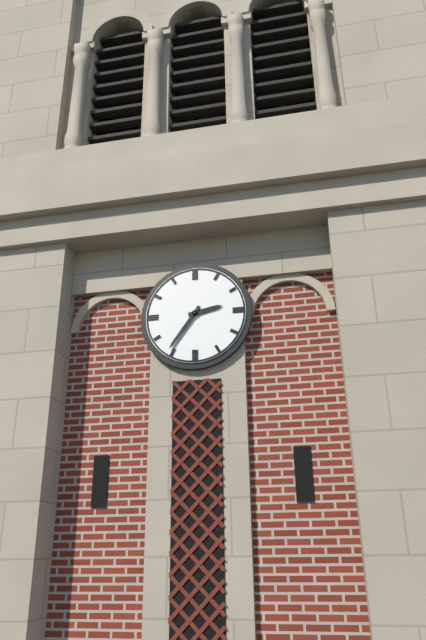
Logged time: 2,36
